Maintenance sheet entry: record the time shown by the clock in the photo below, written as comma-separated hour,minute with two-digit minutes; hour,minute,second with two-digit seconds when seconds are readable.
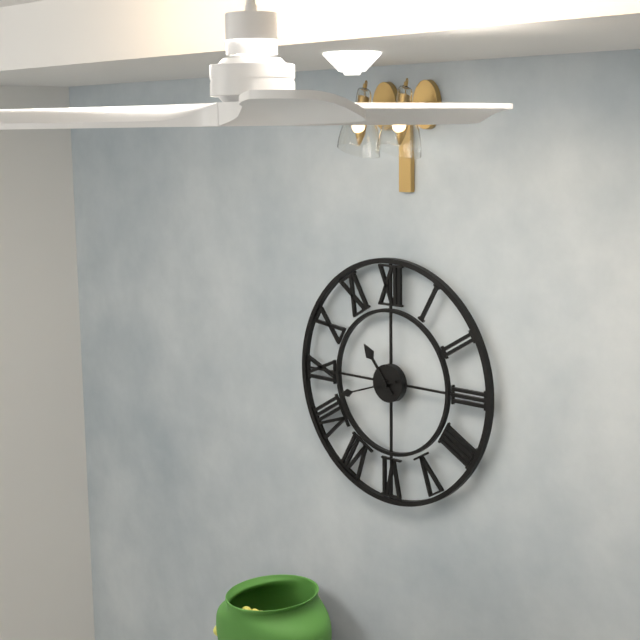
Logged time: 10,42
